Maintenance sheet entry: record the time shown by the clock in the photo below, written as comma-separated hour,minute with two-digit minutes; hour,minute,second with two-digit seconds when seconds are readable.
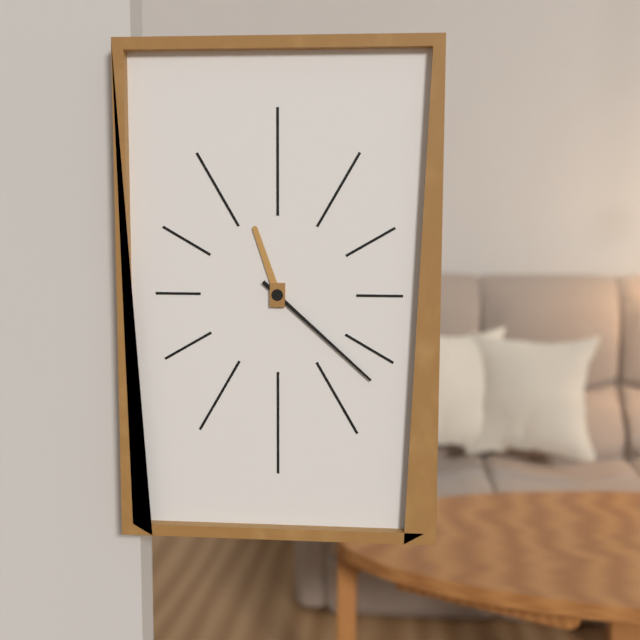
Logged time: 11,22
